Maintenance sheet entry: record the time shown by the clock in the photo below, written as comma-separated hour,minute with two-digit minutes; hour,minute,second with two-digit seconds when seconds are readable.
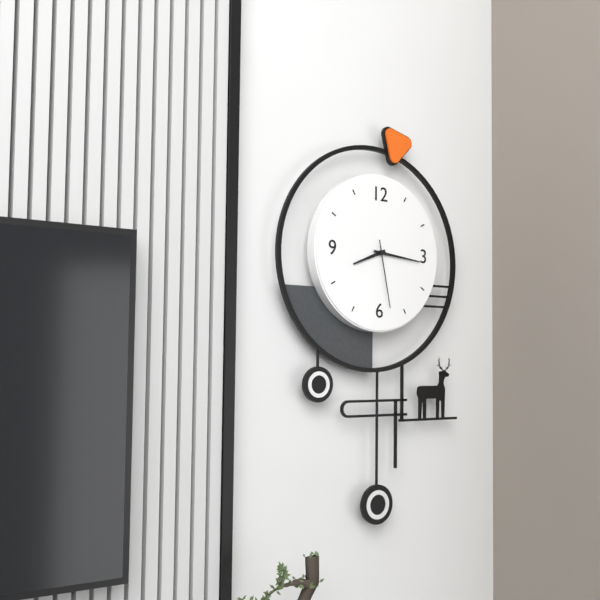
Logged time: 8,16,28
